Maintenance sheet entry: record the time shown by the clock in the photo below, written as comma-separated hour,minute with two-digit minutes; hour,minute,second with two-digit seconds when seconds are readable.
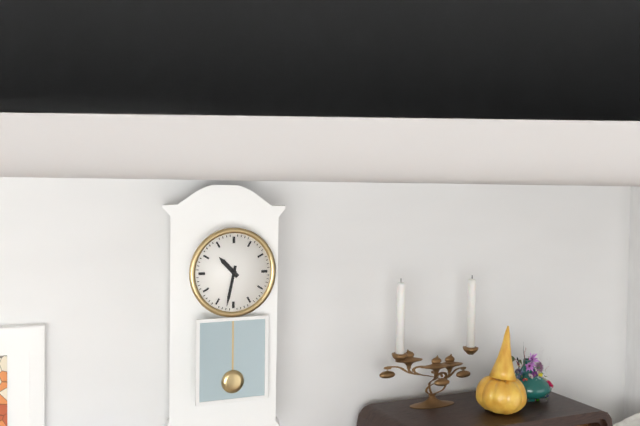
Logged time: 10,32
